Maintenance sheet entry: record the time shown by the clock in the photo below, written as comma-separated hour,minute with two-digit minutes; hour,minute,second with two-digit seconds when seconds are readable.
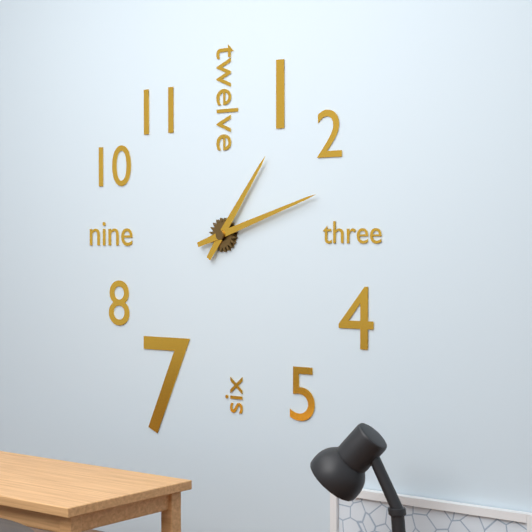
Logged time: 1,12
